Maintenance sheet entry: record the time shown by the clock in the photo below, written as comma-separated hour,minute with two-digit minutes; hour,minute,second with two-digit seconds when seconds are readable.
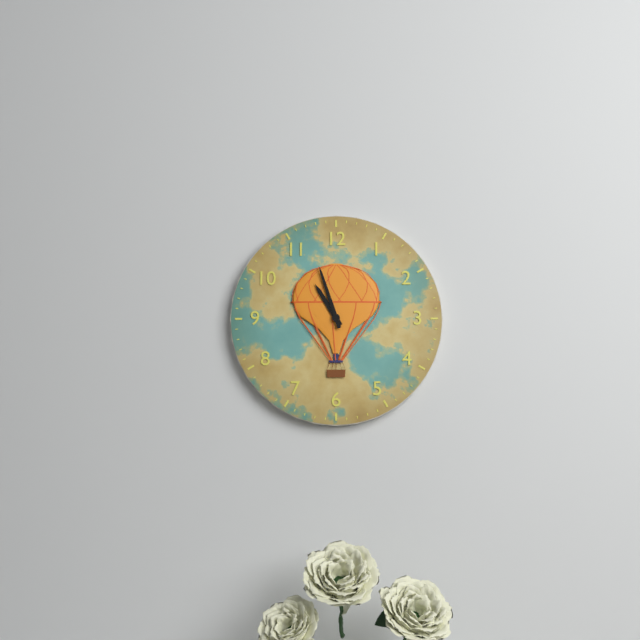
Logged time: 10,57
